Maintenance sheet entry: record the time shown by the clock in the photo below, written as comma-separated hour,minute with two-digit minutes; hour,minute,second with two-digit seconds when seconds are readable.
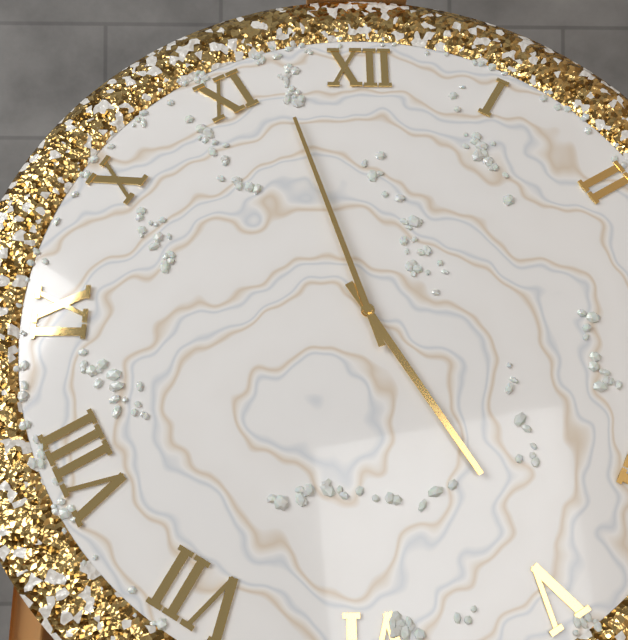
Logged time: 4,57
